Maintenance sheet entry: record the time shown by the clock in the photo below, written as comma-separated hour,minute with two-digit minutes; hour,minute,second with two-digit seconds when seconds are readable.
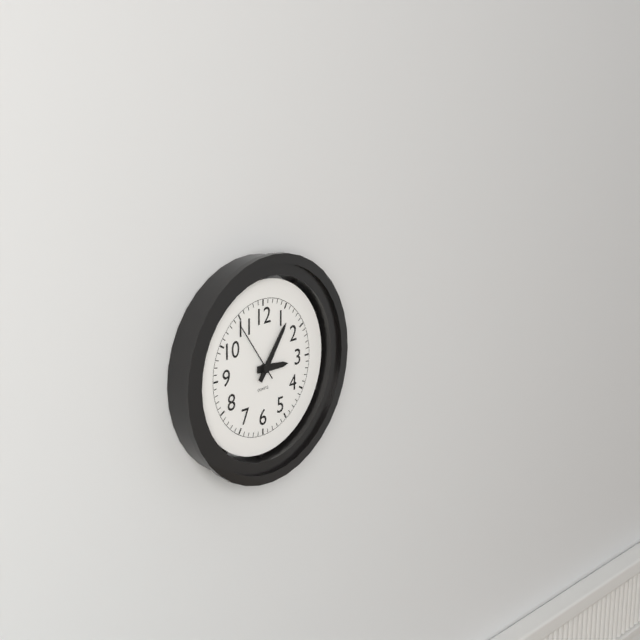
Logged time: 3,06,54
